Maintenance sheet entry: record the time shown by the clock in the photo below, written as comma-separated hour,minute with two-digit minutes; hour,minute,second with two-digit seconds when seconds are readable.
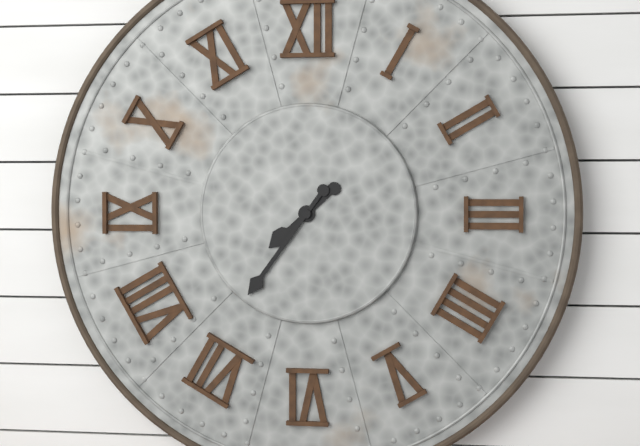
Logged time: 7,36
